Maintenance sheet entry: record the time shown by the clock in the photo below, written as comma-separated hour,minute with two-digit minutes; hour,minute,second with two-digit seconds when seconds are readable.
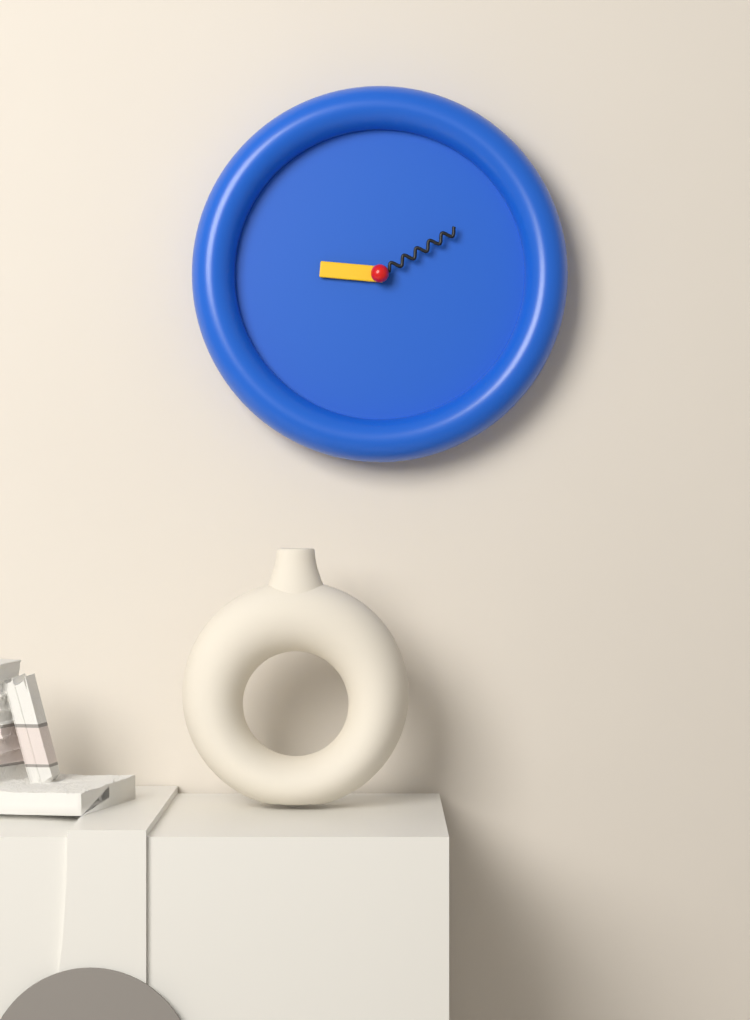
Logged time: 9,10
